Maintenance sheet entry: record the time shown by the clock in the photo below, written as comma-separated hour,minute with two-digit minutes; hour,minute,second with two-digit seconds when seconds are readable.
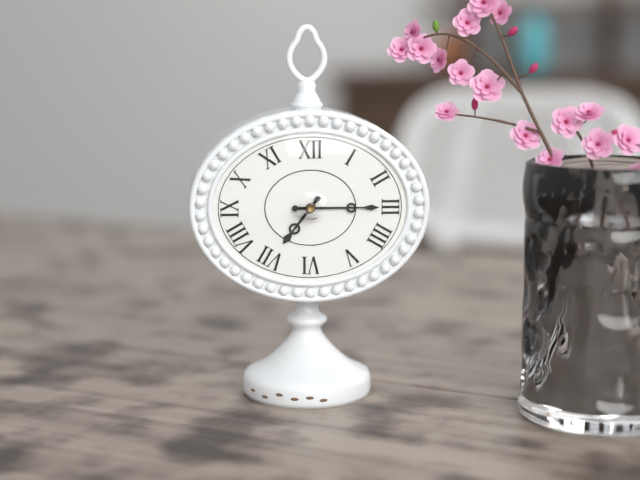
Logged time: 7,15
